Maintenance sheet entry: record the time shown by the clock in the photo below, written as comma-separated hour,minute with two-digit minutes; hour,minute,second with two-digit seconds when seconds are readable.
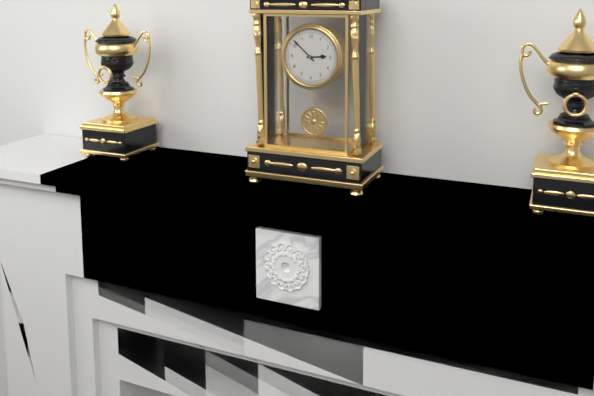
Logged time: 2,52
